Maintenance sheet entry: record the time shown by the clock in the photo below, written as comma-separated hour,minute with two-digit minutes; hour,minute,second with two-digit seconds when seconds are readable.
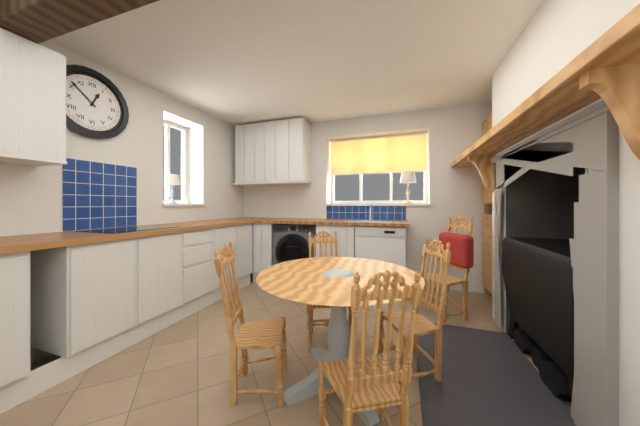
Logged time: 12,52
